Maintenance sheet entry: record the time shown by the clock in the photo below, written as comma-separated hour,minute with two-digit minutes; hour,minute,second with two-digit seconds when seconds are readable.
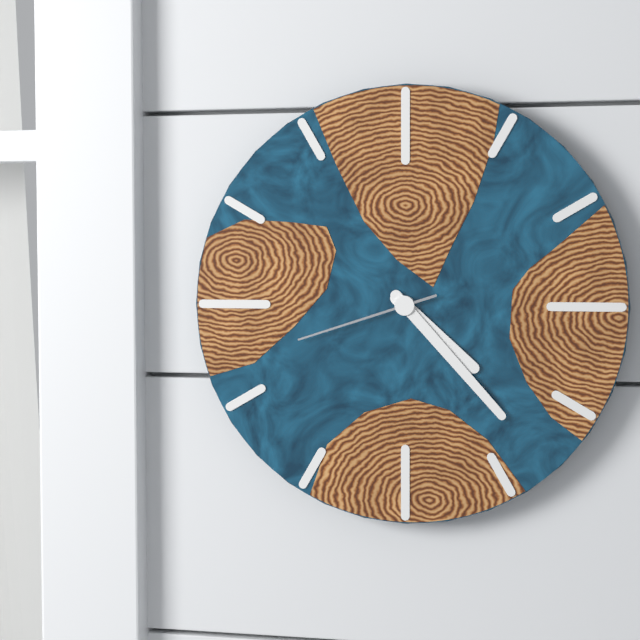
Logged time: 4,23,42
